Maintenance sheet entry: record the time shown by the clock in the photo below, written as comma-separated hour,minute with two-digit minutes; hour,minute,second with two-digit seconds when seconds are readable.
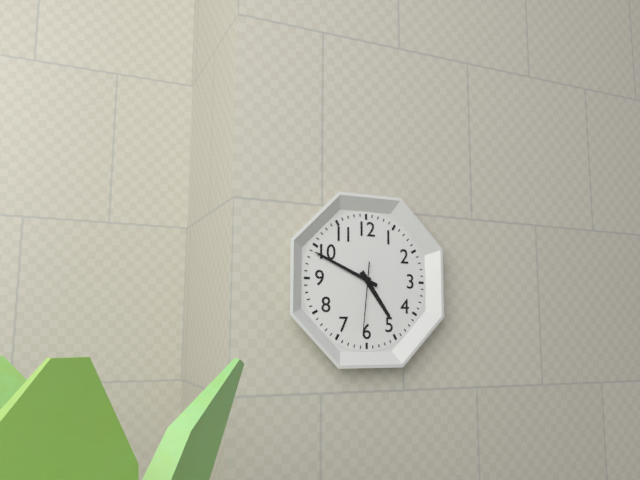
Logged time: 4,49,31
